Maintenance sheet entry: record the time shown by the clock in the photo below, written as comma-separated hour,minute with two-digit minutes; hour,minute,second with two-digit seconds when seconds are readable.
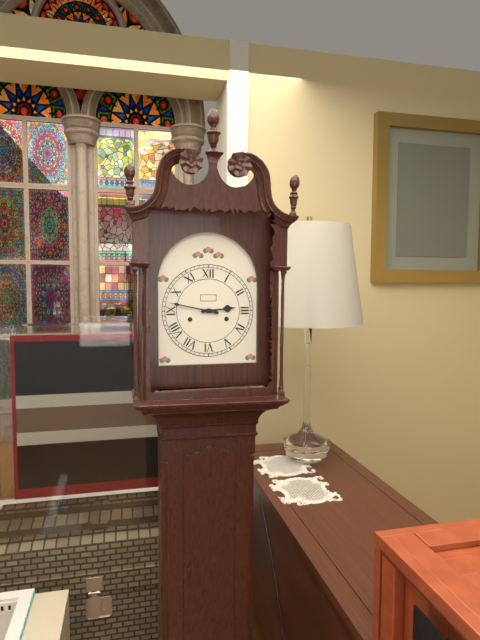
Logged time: 2,47
